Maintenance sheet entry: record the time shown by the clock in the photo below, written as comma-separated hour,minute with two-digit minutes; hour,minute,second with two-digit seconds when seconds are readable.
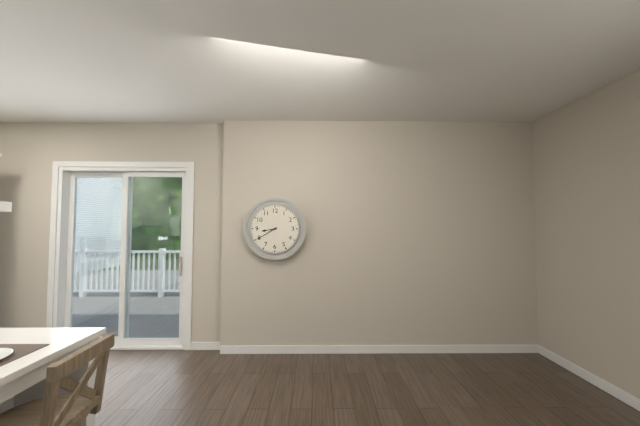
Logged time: 8,40
